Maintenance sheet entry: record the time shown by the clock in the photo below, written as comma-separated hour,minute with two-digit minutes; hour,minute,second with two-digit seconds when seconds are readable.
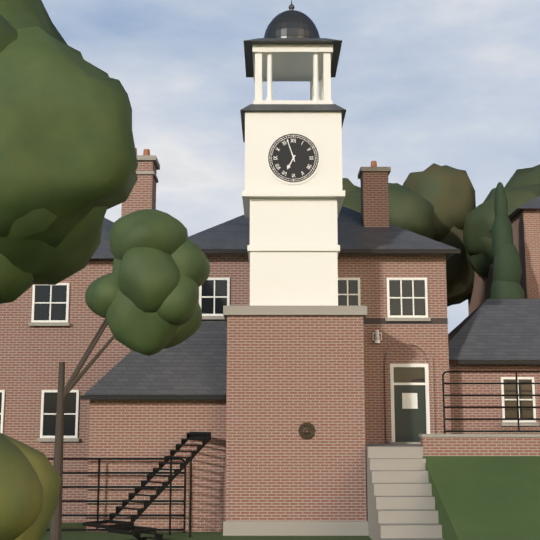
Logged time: 6,57
